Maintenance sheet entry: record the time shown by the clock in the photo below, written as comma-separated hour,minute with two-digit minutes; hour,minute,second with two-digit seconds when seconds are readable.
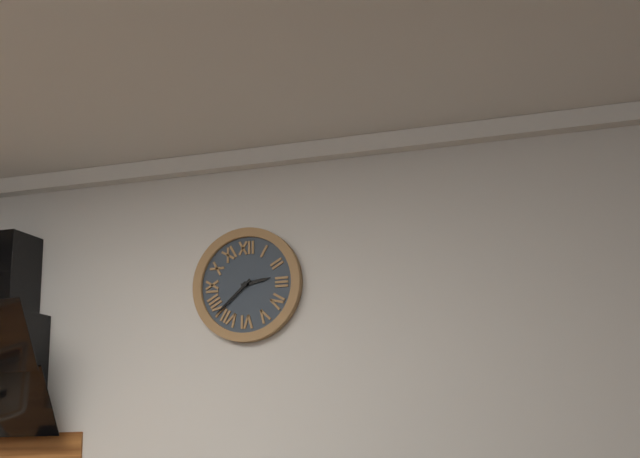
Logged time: 2,38
